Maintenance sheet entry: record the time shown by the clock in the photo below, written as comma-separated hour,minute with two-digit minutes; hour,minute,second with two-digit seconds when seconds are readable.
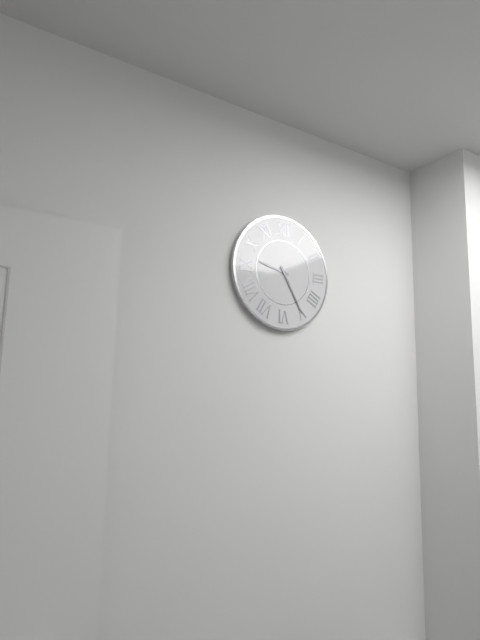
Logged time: 9,25
